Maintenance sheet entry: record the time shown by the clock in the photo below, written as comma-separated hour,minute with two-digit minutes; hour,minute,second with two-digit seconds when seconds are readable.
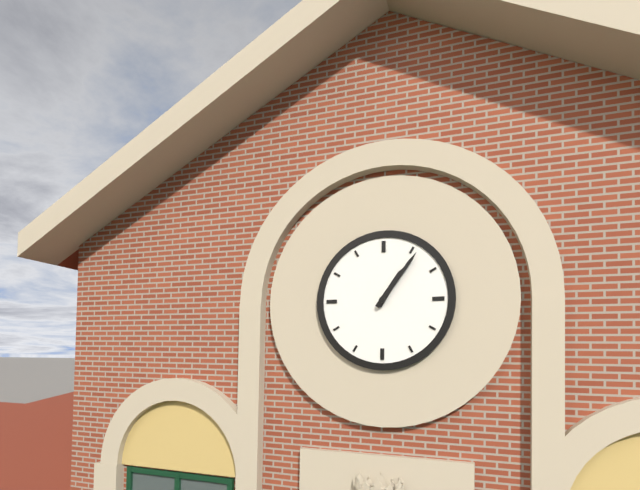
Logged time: 1,06
